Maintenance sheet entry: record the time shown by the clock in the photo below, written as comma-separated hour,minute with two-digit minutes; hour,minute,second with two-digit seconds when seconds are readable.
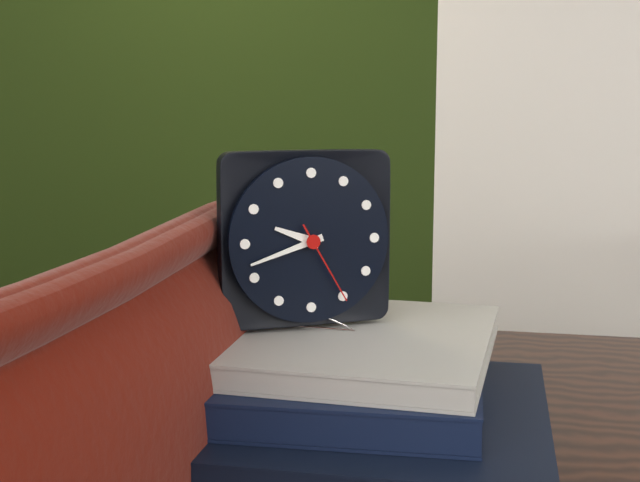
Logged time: 9,42,25
